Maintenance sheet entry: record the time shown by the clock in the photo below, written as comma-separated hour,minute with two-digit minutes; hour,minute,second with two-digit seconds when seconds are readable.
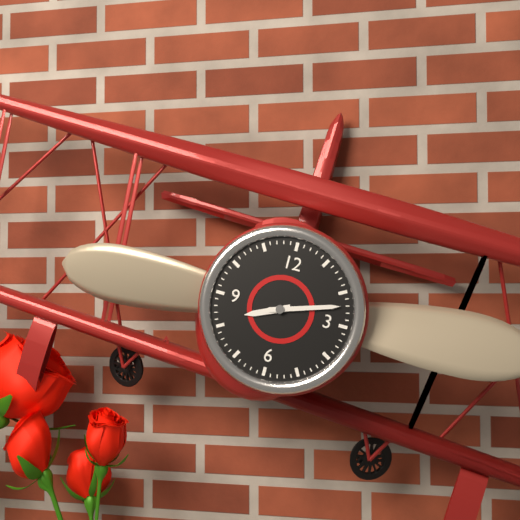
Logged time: 8,12
